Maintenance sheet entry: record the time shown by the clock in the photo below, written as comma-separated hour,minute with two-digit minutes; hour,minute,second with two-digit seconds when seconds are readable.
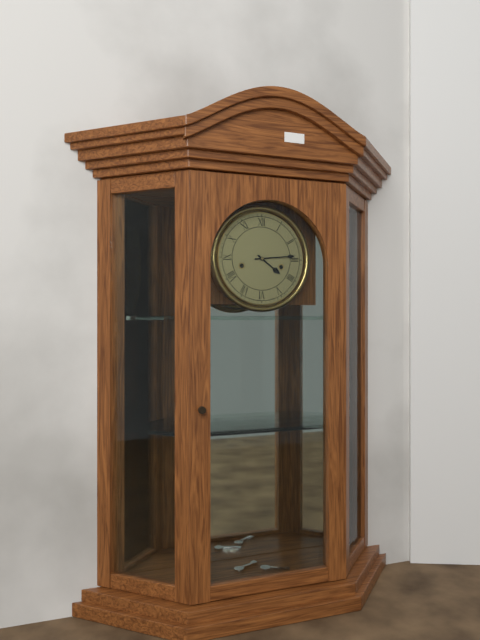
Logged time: 4,14
